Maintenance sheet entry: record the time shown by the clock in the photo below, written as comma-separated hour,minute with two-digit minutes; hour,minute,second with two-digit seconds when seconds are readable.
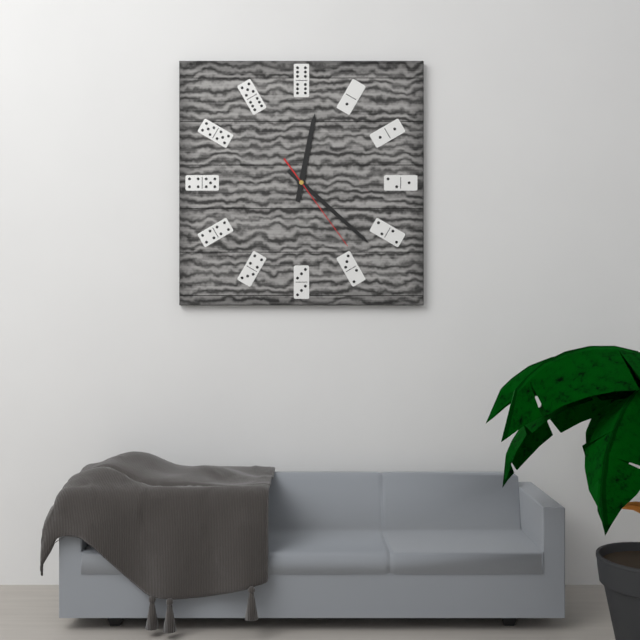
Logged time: 12,22,24
